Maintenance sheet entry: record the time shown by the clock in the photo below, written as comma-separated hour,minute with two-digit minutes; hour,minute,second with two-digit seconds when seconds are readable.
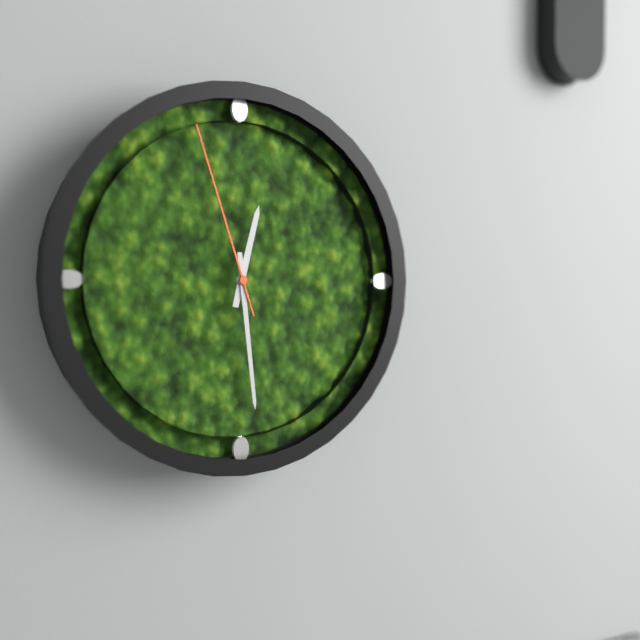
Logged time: 12,29,57
